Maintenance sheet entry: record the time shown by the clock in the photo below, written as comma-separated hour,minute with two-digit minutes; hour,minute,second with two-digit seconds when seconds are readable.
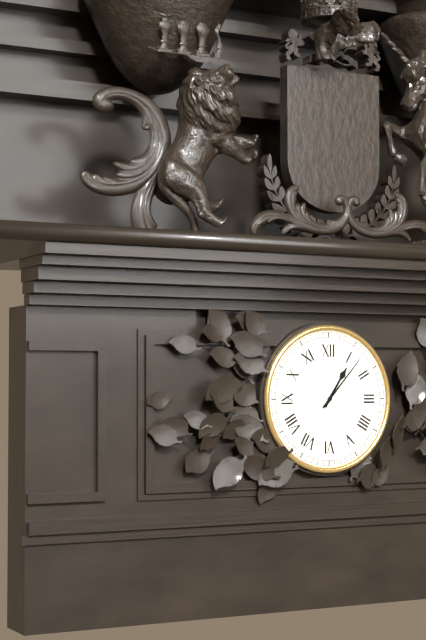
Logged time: 1,07
